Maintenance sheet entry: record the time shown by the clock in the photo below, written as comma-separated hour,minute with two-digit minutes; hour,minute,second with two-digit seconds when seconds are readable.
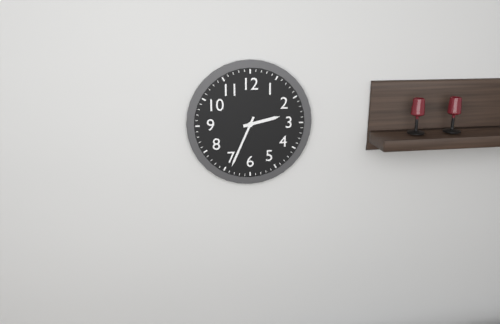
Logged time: 2,34
